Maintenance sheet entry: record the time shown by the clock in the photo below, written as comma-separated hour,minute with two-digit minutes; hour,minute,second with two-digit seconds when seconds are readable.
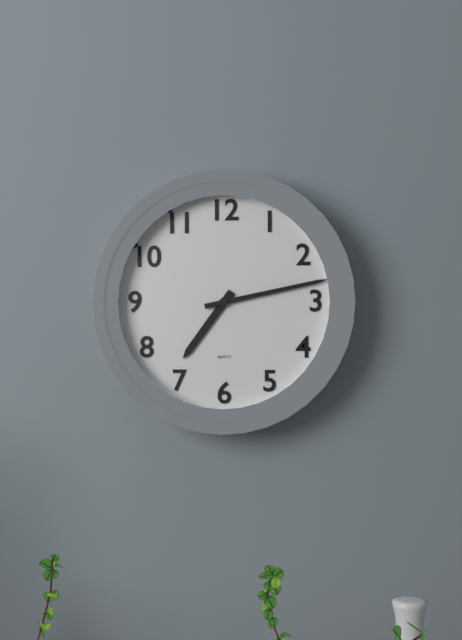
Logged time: 7,13
